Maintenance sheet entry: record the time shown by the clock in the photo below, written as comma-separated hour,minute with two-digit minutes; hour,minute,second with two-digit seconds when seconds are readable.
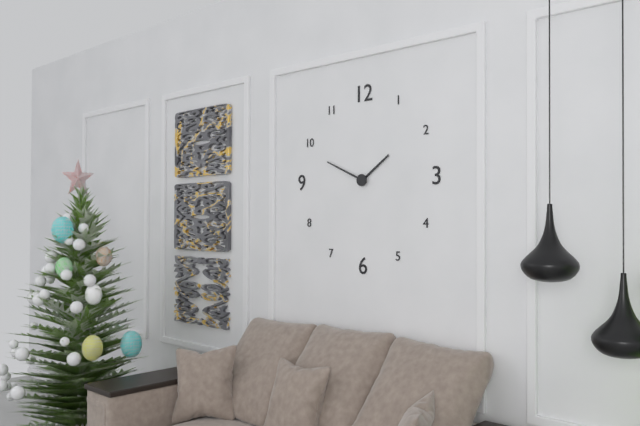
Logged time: 1,49
